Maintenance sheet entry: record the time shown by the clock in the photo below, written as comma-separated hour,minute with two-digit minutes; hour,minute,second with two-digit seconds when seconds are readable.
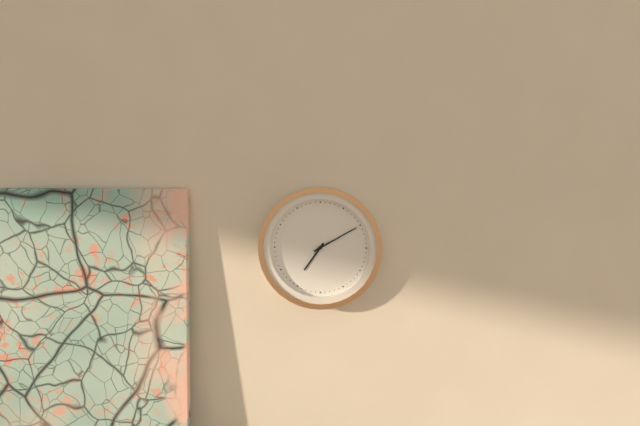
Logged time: 7,10
